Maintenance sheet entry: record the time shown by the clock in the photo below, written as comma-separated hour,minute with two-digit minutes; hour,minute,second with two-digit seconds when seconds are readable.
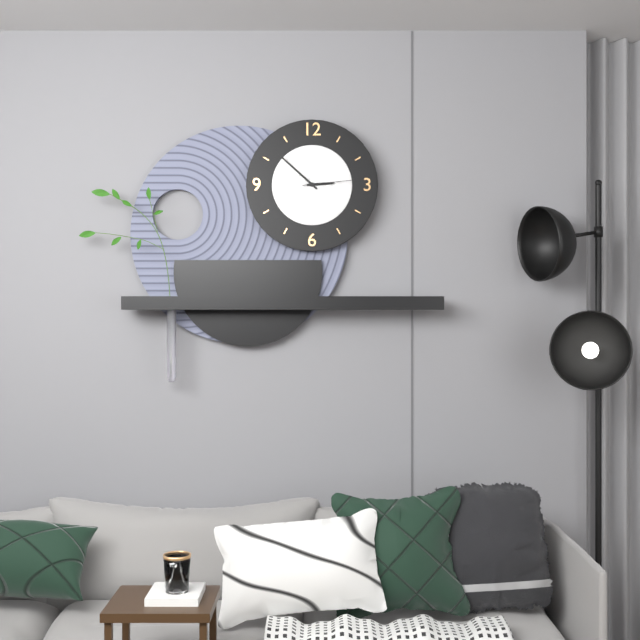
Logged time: 2,52,14
